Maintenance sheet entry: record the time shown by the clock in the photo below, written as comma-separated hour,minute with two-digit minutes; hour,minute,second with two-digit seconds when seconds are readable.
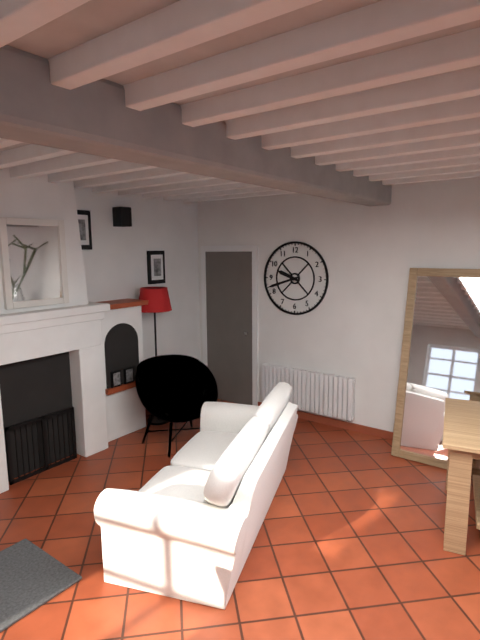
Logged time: 9,42
